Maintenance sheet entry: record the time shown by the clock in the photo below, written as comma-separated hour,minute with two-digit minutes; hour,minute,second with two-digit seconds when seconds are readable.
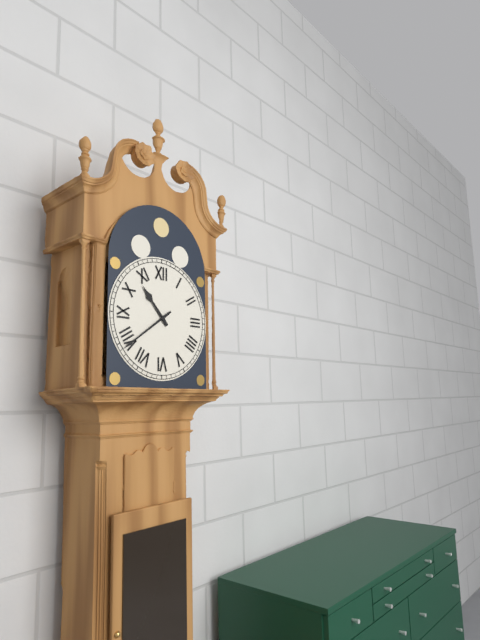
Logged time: 10,39
